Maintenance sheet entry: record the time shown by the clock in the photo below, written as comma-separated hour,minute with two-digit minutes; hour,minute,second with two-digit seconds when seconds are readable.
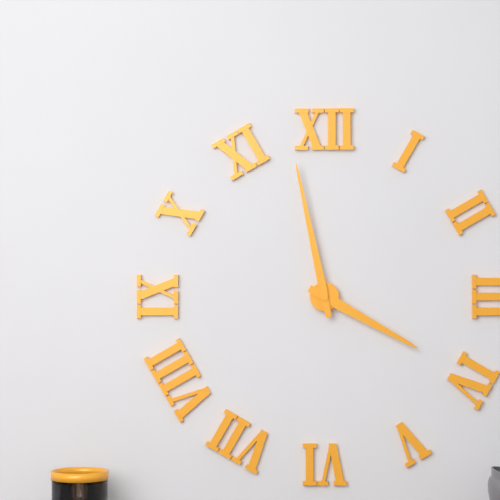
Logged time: 3,58
